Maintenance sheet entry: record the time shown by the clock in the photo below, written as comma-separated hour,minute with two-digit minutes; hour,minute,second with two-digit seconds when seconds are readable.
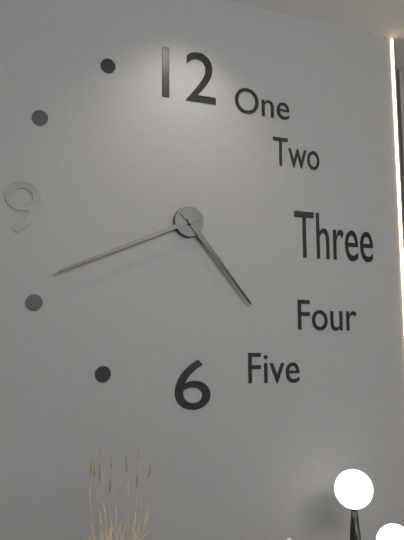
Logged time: 4,41
